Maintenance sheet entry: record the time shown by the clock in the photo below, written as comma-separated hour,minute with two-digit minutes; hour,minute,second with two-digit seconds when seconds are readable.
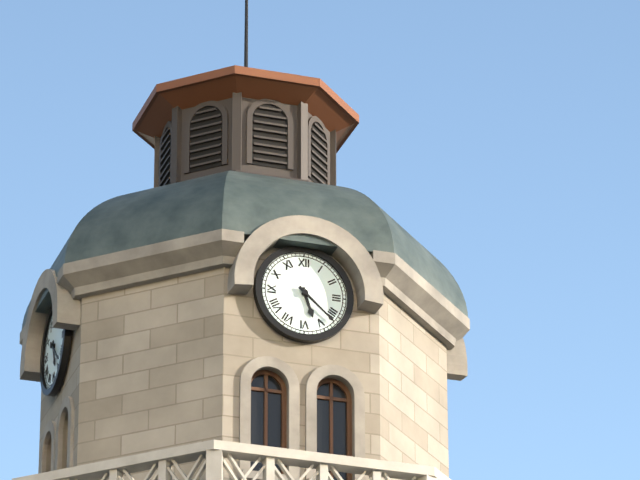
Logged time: 5,22
